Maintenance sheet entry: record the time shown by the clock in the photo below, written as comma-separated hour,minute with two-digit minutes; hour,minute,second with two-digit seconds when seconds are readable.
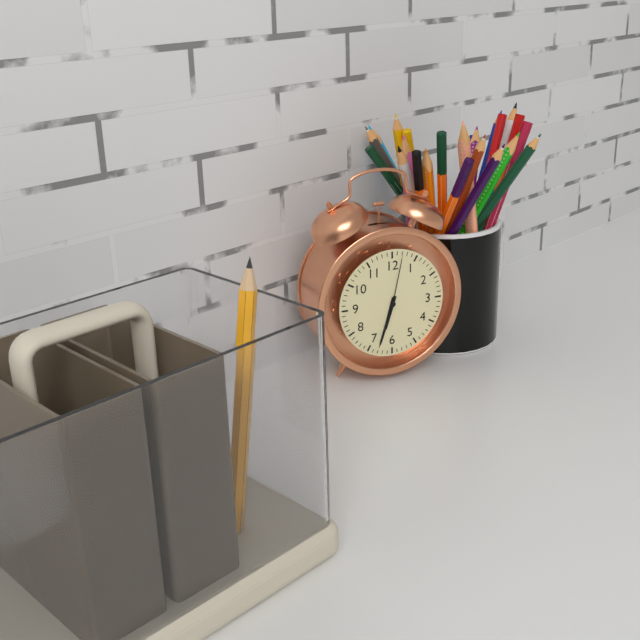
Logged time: 6,33,02
